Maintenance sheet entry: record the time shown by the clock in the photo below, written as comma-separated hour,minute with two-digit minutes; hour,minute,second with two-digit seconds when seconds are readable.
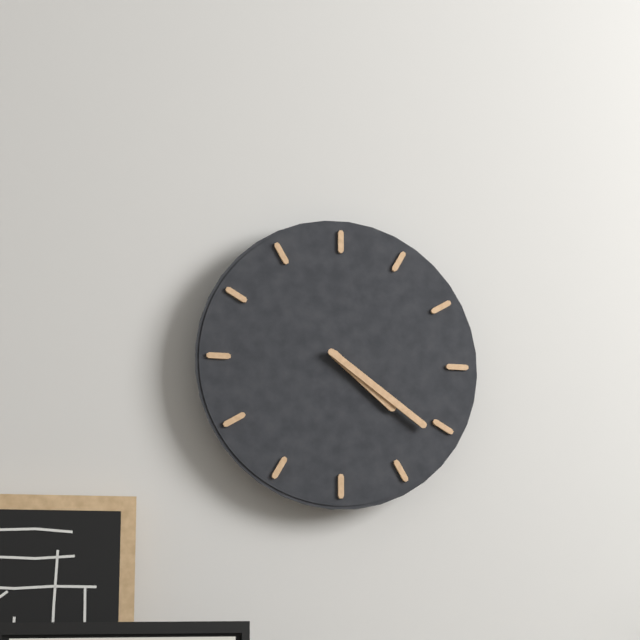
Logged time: 4,21
